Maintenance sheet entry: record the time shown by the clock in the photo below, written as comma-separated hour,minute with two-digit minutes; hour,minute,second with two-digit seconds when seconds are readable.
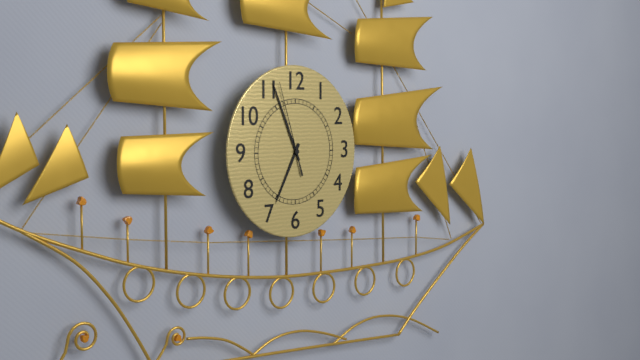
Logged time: 6,56,57
